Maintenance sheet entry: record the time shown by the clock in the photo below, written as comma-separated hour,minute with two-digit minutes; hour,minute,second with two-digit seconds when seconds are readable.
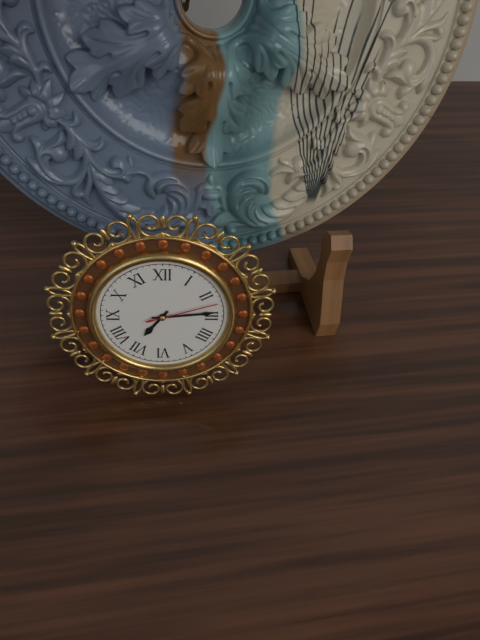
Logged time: 7,14,12
